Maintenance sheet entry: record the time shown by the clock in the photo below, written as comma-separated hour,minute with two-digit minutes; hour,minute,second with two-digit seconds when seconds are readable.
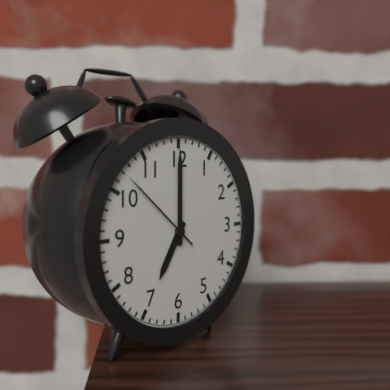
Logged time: 7,00,52
